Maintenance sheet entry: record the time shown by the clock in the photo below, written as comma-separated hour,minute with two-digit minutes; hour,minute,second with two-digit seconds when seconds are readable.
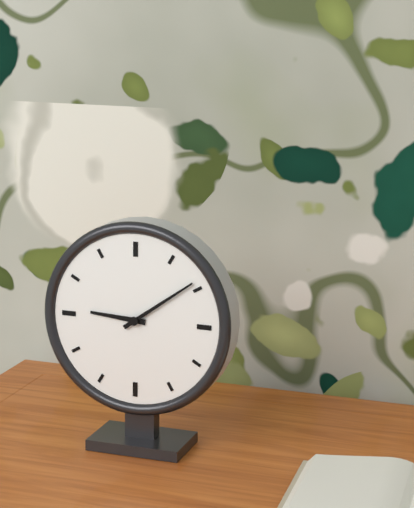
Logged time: 9,09
